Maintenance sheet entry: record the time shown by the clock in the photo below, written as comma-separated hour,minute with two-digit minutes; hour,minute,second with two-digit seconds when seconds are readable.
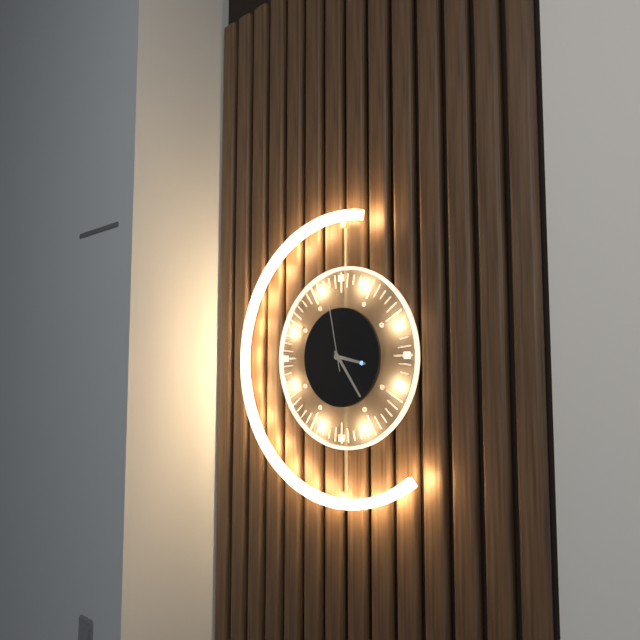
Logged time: 3,24,58
